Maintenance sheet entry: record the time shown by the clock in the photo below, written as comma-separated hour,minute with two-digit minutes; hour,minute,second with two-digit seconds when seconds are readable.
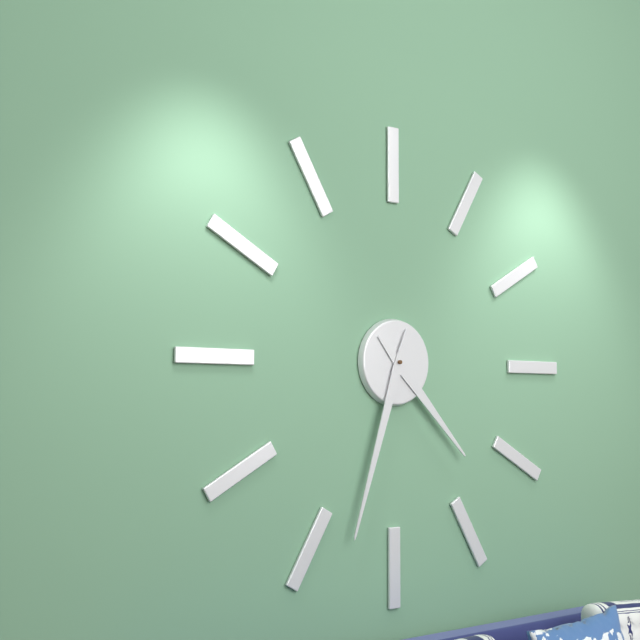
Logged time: 4,33
